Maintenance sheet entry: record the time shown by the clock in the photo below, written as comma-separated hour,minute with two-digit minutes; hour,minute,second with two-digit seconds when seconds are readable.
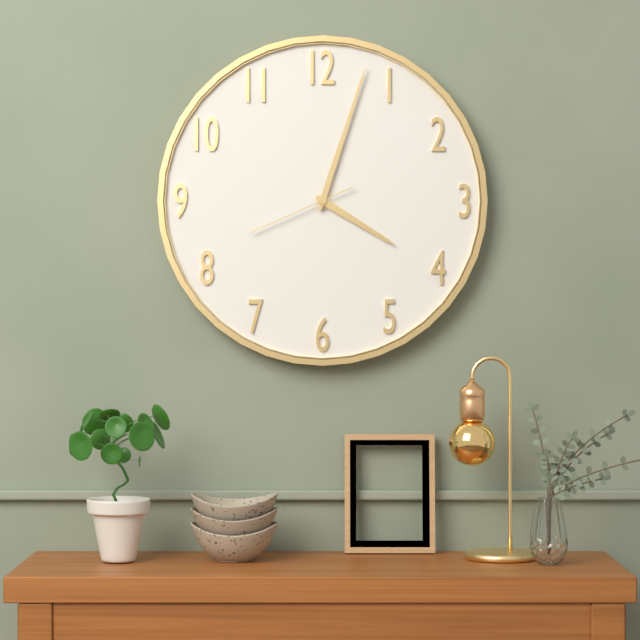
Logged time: 4,03,41
